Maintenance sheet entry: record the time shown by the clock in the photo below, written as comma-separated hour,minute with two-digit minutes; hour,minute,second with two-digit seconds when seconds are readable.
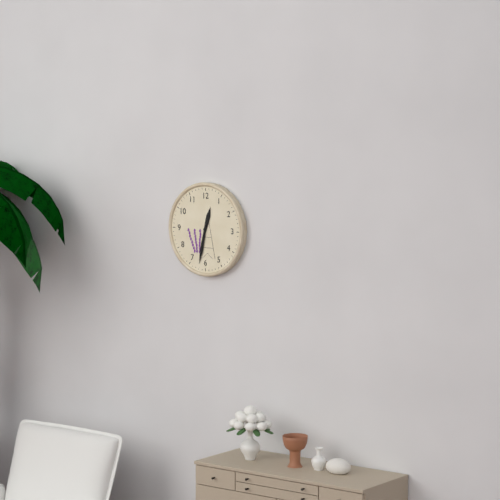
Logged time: 12,32
